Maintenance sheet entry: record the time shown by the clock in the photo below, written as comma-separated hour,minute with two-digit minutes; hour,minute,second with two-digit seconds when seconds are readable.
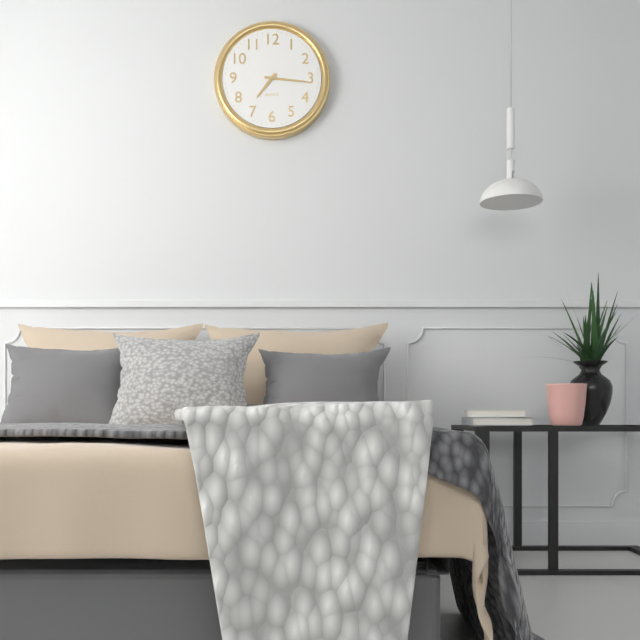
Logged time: 7,16
